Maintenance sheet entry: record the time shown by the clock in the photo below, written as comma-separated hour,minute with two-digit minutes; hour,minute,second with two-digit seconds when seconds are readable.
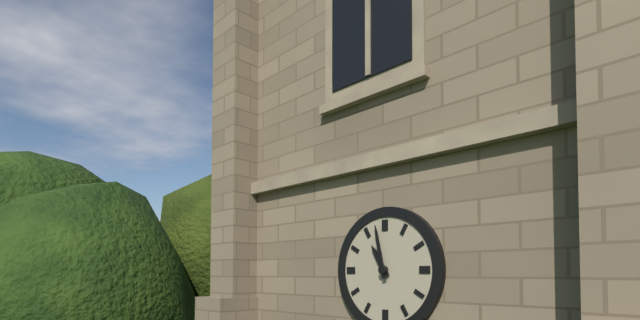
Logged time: 10,58
